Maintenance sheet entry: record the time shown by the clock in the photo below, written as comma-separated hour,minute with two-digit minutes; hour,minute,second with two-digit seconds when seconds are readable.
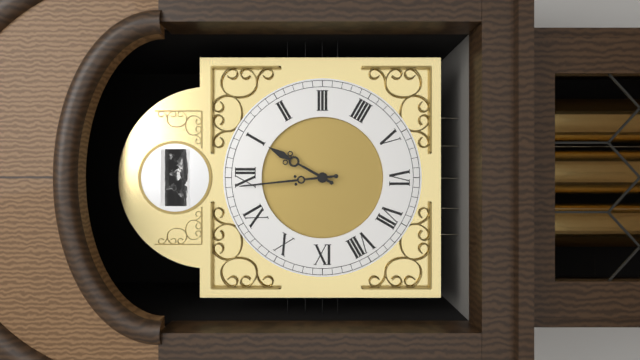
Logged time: 12,59
